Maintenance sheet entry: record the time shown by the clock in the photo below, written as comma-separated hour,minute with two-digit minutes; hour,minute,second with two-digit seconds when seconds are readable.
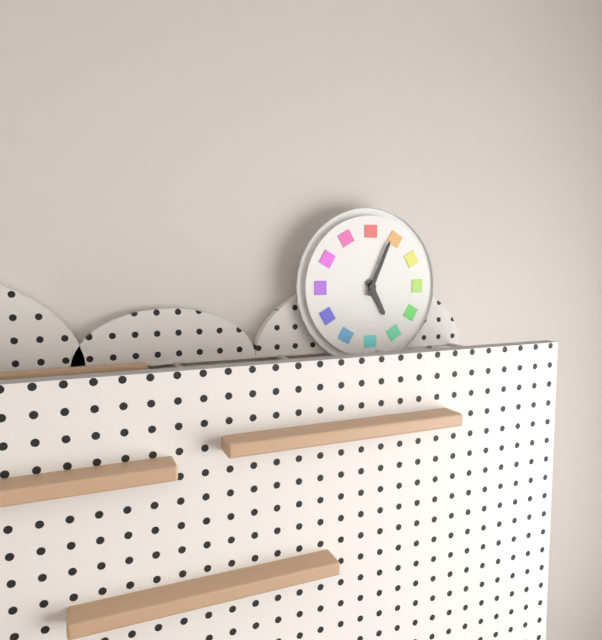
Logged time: 5,04
